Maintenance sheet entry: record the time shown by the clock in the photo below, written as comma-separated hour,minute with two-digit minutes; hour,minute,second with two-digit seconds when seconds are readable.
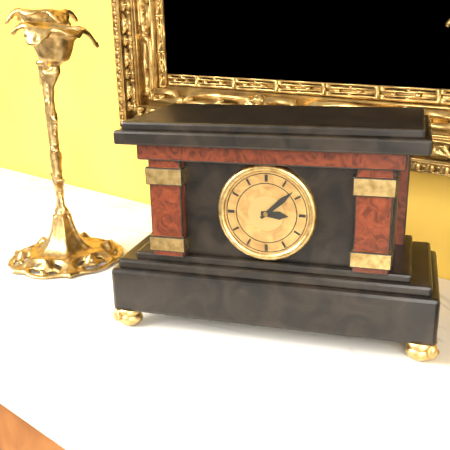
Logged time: 3,08
